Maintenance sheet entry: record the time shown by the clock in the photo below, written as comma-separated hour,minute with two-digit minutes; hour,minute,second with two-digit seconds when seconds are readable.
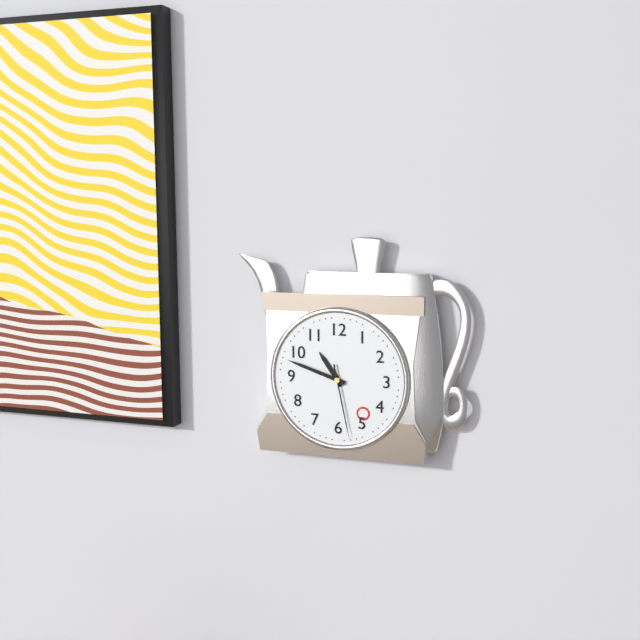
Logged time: 10,48,28
